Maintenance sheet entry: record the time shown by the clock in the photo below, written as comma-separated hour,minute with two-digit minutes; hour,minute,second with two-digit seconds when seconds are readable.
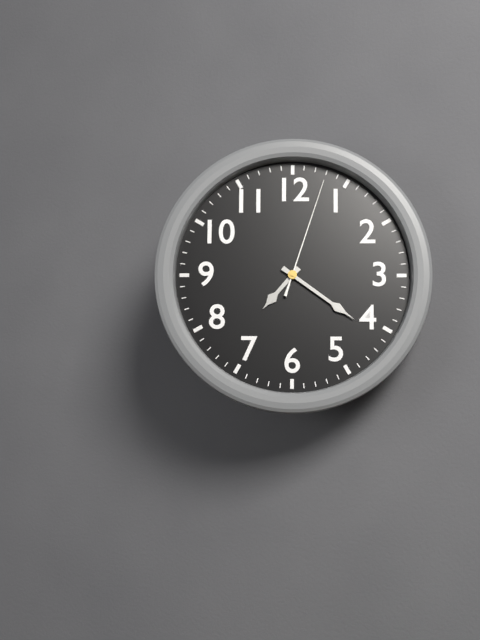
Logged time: 7,21,03
